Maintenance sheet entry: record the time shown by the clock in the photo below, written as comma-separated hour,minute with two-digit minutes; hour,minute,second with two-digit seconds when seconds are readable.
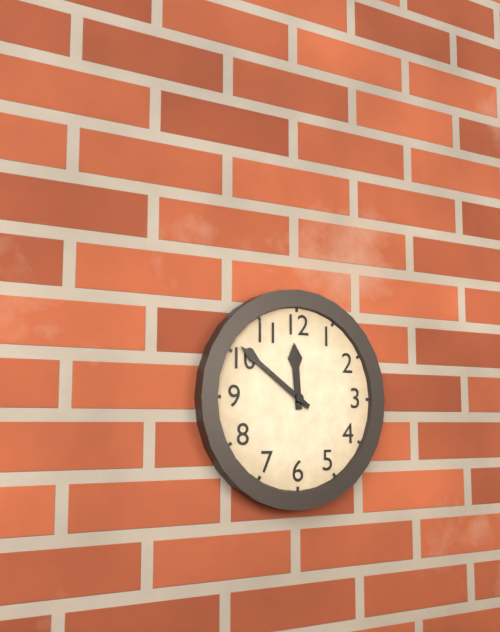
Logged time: 11,51
